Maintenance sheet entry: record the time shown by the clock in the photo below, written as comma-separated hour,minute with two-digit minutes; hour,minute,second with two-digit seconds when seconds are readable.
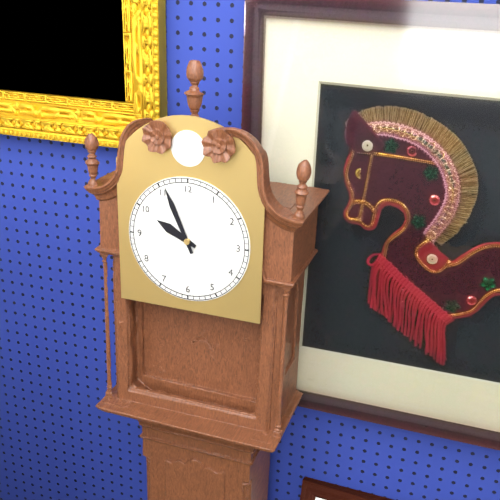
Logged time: 9,56
